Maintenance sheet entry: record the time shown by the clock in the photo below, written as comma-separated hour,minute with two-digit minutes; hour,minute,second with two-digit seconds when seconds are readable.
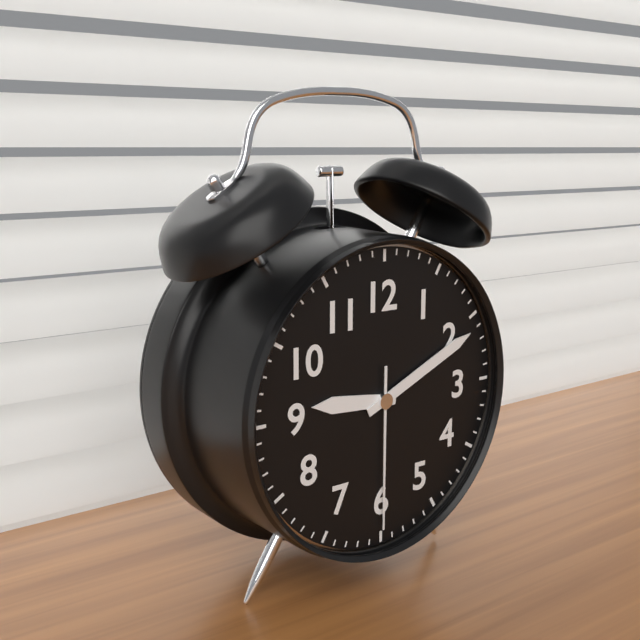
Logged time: 9,11,30
